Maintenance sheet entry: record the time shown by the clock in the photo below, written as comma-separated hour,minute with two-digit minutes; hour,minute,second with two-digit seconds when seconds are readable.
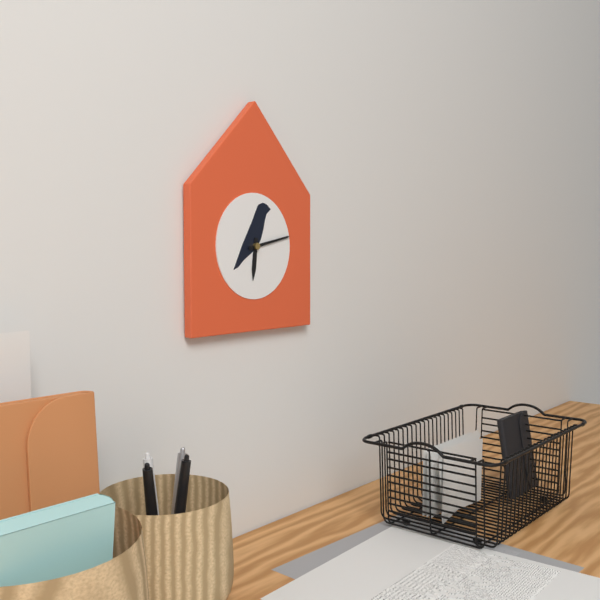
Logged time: 6,13
